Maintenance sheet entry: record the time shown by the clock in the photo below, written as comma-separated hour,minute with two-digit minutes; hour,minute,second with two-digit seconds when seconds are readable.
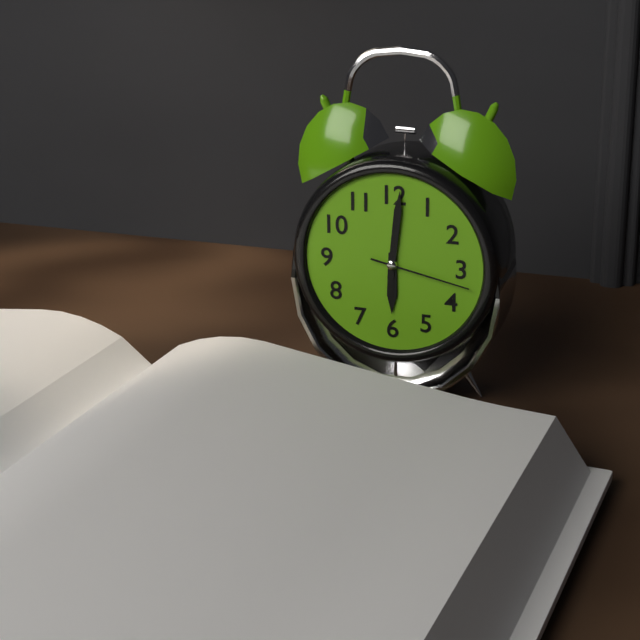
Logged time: 6,01,17
